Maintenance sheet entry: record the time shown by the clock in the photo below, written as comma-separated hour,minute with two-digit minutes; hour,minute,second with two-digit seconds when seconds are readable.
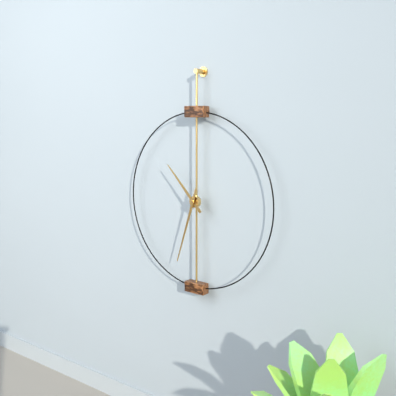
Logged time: 10,33
